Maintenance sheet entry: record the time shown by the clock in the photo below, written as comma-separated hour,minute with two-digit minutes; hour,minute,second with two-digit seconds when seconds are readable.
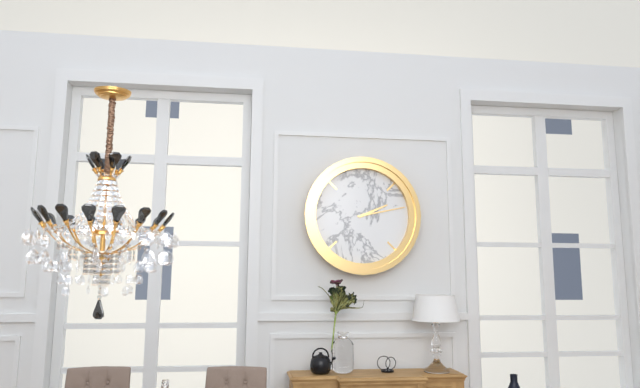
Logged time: 2,13
